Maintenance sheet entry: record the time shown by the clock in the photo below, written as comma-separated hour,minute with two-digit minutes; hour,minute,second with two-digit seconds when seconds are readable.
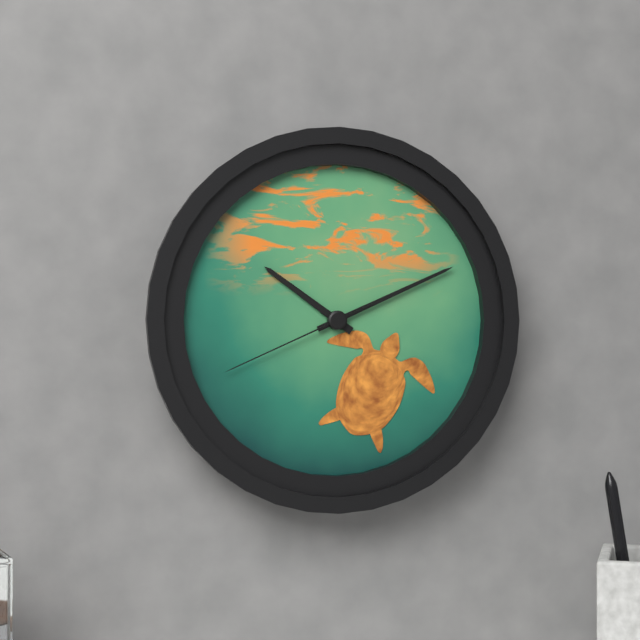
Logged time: 10,11,41
